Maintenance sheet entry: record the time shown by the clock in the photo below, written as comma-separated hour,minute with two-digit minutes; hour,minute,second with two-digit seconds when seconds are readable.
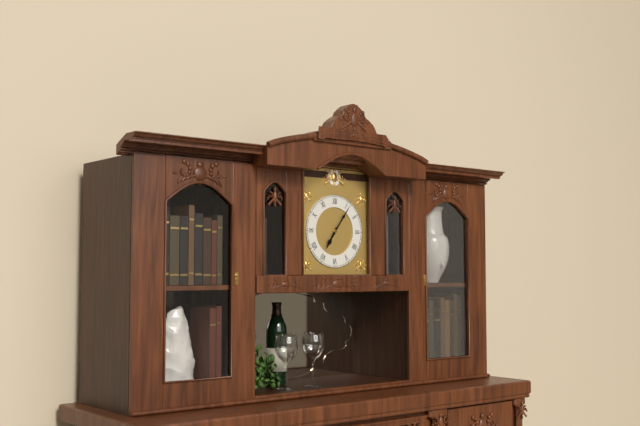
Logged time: 7,06
